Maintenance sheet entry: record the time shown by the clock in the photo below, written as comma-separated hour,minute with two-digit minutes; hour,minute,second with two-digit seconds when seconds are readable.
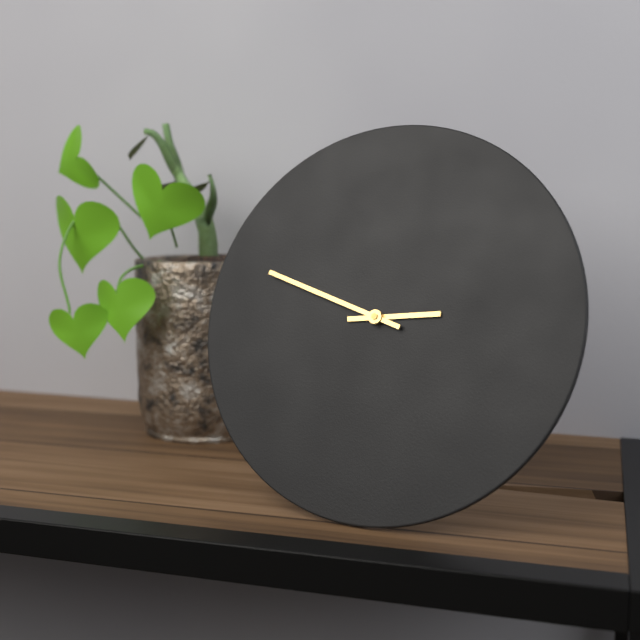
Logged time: 2,48
